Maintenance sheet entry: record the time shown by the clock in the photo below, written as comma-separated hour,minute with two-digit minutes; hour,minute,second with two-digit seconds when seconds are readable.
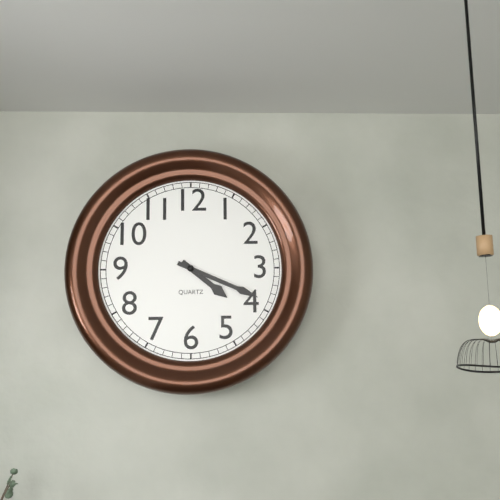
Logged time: 4,19
